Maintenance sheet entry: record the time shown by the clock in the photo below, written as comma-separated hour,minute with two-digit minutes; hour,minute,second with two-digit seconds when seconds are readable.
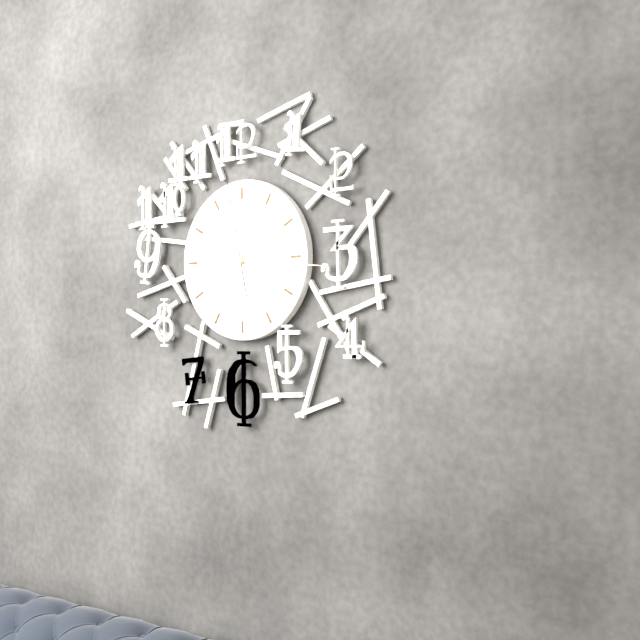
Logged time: 2,16,58
